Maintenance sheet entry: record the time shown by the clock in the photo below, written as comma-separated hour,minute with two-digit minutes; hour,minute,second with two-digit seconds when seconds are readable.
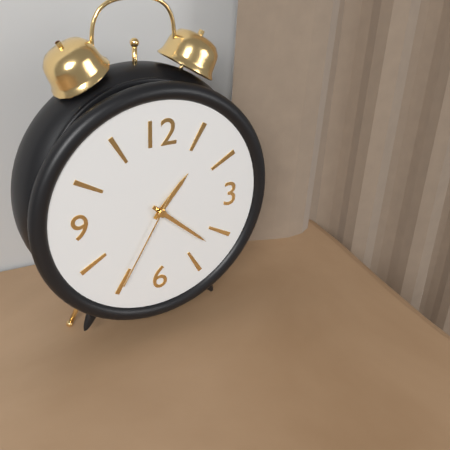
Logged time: 1,22,35
